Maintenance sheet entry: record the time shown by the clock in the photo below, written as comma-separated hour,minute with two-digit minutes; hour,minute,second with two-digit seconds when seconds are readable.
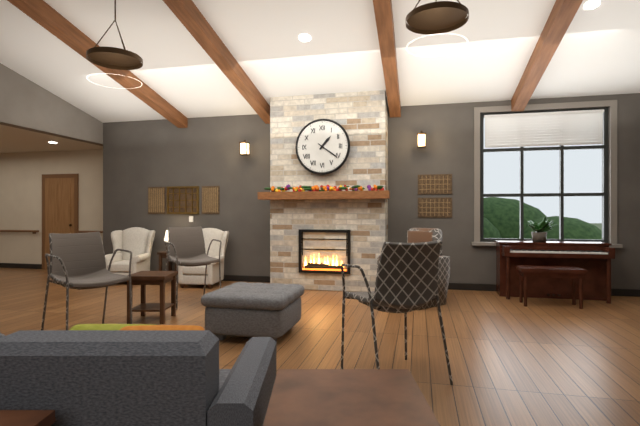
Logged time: 1,21
